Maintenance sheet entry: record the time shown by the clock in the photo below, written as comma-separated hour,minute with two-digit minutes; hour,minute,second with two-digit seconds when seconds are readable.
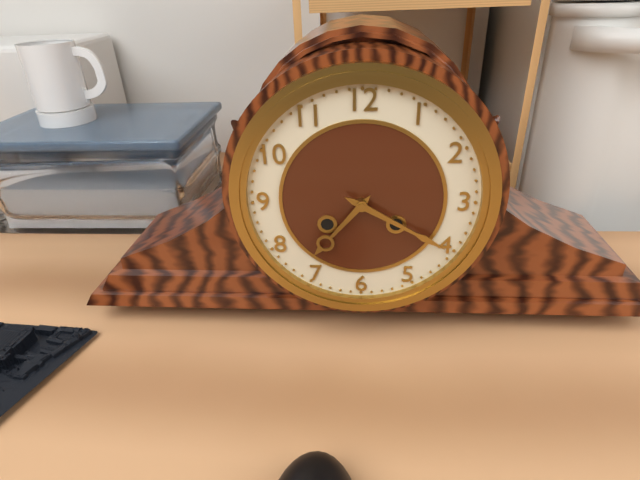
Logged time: 7,20
